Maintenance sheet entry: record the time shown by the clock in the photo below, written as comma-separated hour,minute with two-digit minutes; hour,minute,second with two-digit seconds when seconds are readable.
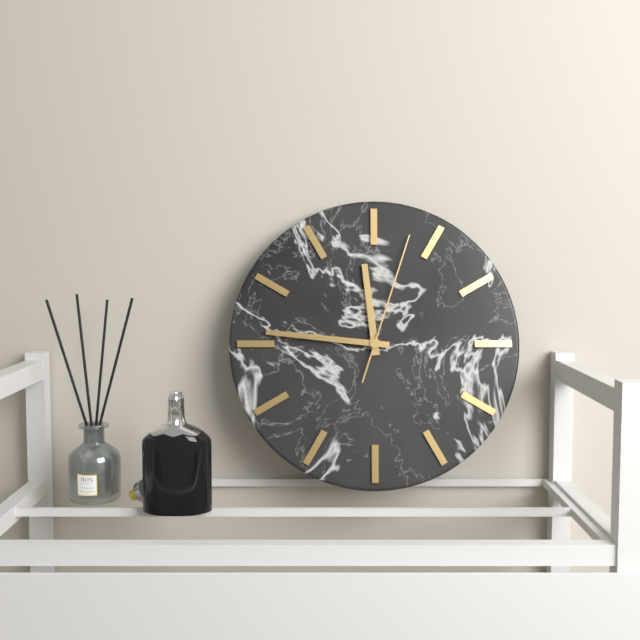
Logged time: 11,46,03
